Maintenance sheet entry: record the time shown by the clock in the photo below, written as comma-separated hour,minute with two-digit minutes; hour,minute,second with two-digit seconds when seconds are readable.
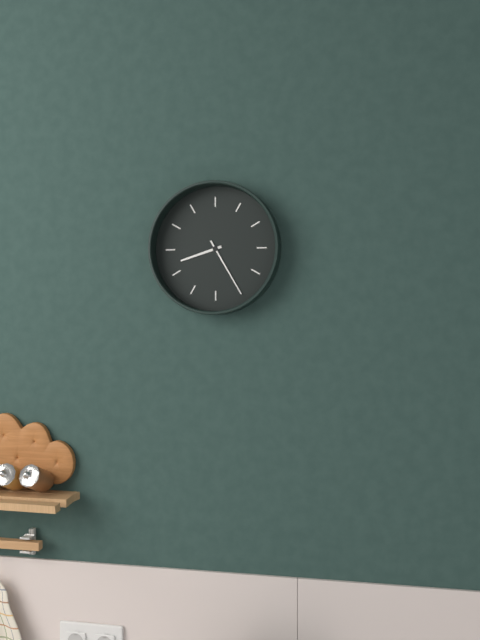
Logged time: 8,25
